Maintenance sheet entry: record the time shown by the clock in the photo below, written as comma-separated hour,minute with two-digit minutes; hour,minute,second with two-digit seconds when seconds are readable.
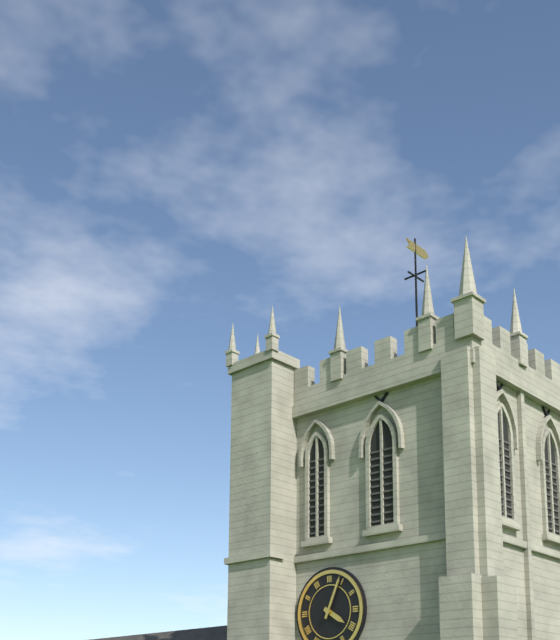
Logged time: 4,04
